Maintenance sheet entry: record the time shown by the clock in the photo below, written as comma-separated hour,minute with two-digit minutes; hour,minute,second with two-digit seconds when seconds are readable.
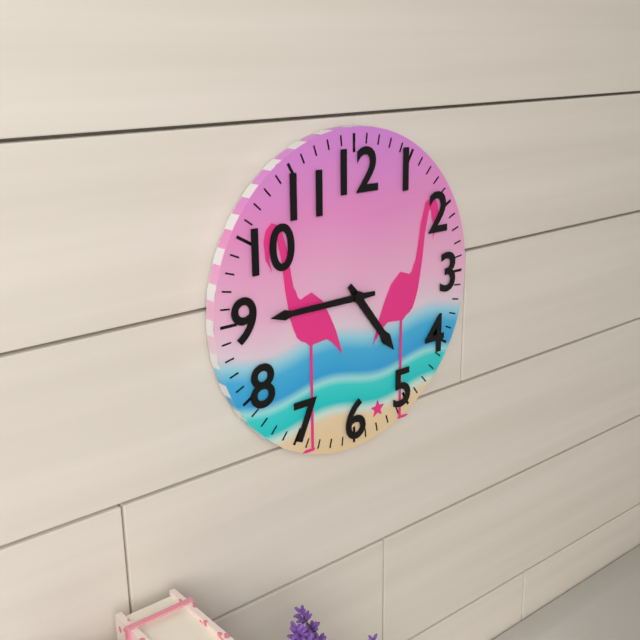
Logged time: 4,45
